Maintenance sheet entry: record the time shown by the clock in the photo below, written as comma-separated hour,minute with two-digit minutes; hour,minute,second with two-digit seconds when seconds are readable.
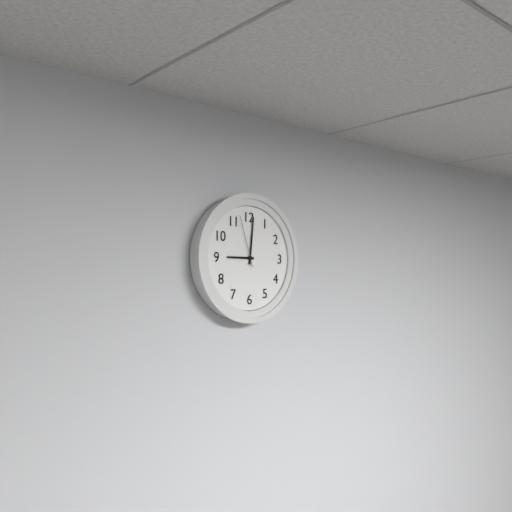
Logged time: 9,01,57
